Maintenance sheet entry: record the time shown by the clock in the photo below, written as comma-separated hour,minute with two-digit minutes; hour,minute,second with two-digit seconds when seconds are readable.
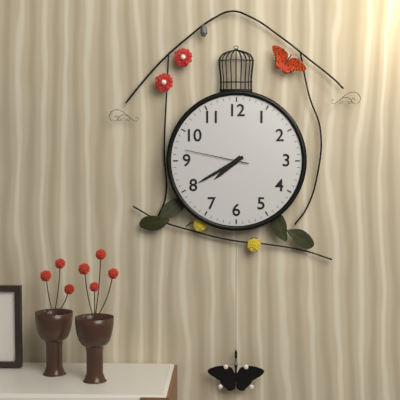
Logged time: 7,40,47
